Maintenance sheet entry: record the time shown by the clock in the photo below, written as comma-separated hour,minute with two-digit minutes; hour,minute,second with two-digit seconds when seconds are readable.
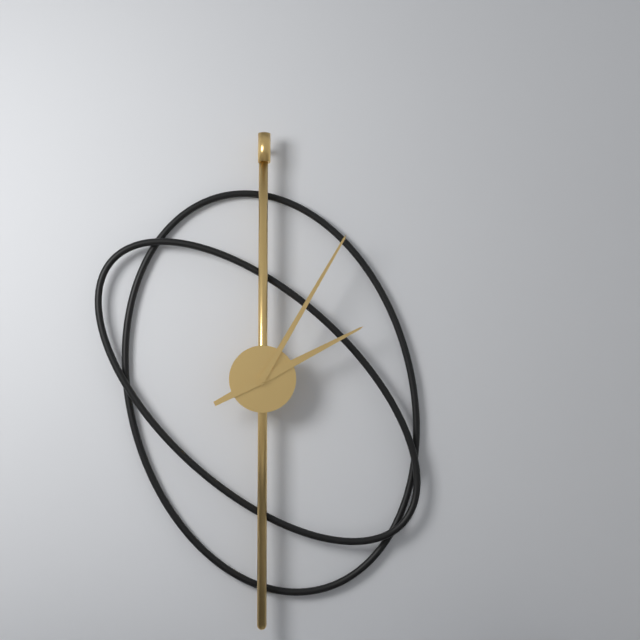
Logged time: 2,05
